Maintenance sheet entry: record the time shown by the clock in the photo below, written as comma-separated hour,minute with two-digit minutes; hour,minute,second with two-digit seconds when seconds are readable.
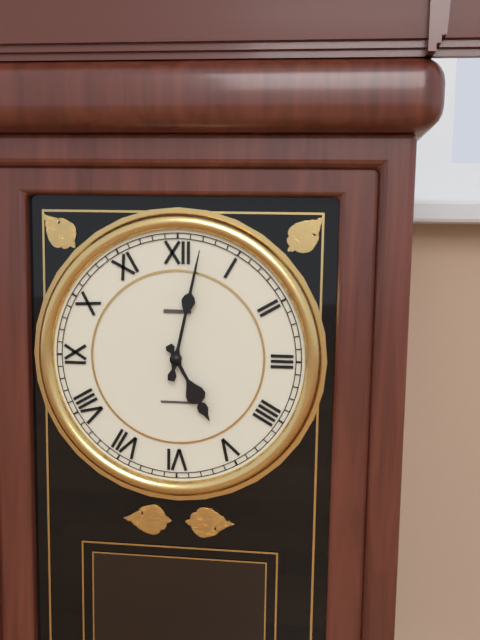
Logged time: 5,02
